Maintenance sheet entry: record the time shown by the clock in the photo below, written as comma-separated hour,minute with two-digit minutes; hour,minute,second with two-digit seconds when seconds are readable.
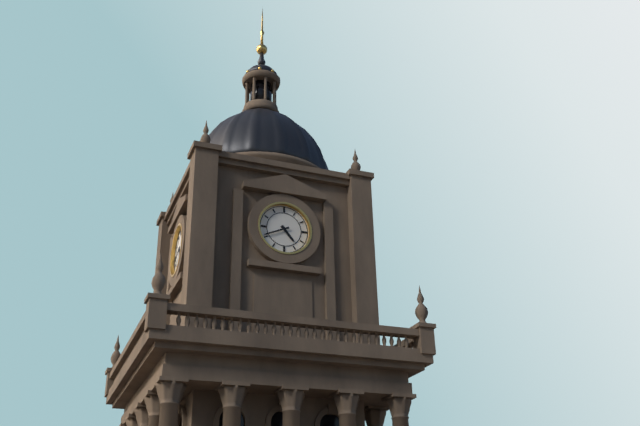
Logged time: 4,41
